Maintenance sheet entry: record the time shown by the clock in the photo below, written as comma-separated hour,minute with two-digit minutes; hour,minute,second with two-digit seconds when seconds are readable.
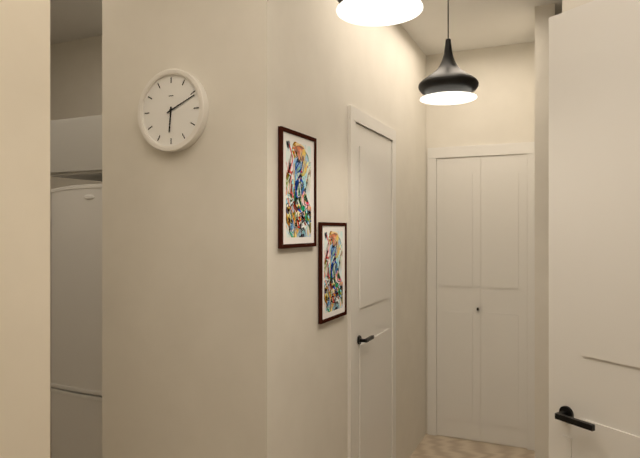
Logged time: 6,11
